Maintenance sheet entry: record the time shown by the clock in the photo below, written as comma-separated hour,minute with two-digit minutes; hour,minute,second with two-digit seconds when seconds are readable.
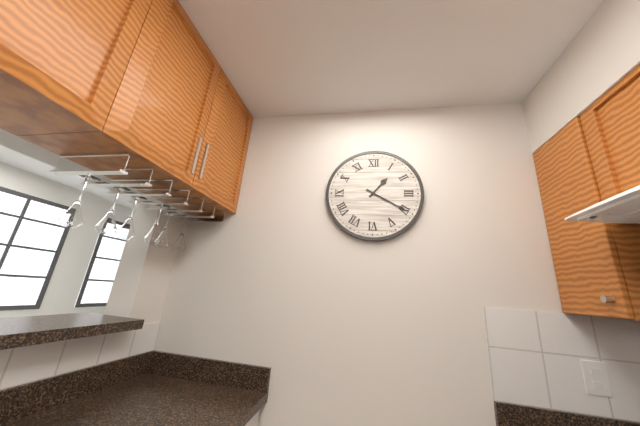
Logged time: 1,20
